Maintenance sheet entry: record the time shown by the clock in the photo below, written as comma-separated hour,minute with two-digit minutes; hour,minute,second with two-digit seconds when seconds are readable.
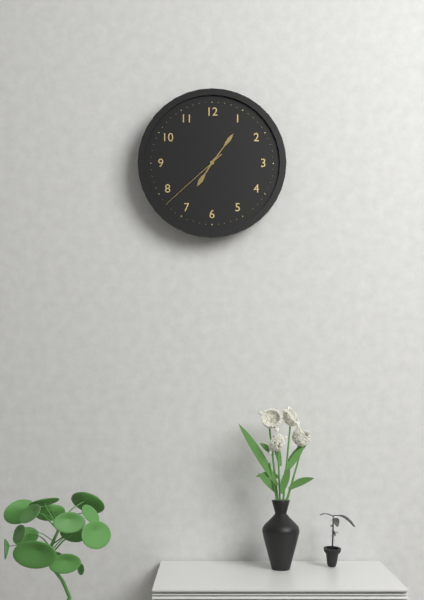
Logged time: 7,06,38
